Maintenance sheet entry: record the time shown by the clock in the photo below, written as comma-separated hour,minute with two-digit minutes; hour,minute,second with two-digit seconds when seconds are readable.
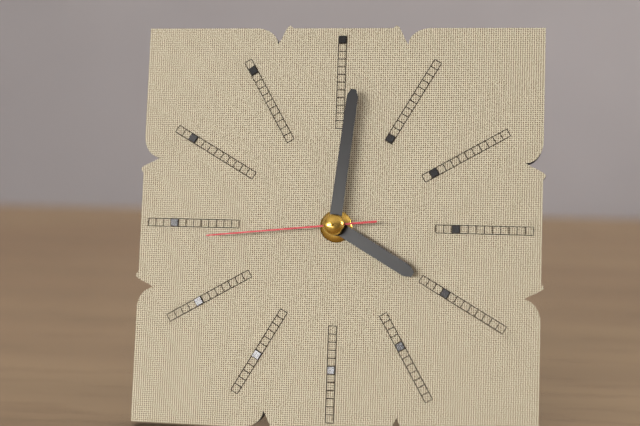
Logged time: 4,01,44
